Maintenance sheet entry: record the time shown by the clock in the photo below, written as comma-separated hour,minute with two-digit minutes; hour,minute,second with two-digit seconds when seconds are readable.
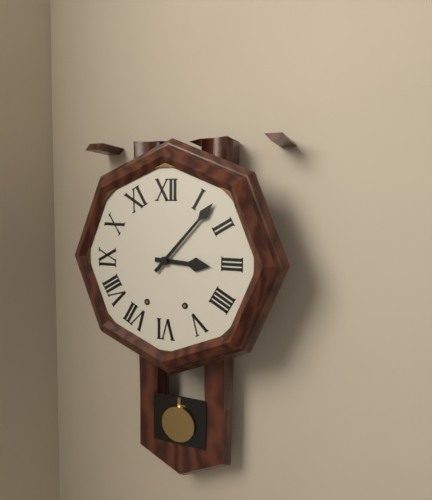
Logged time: 3,07
